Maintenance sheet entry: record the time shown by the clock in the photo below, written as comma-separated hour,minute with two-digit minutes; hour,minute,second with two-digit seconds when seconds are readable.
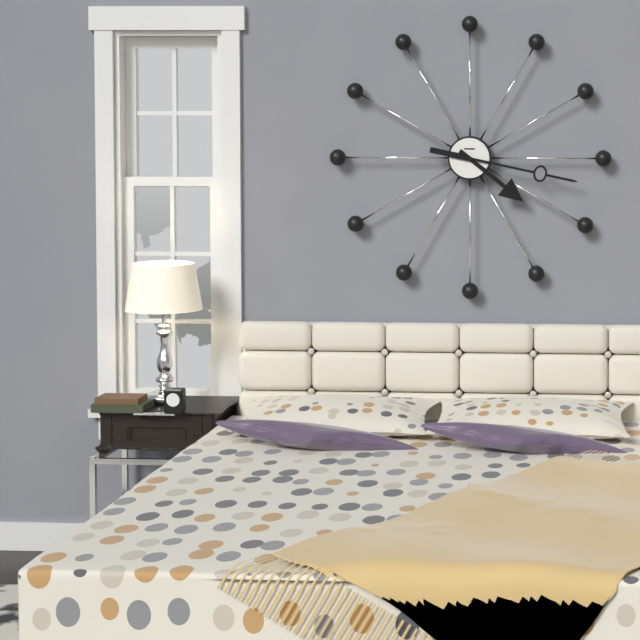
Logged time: 4,17
